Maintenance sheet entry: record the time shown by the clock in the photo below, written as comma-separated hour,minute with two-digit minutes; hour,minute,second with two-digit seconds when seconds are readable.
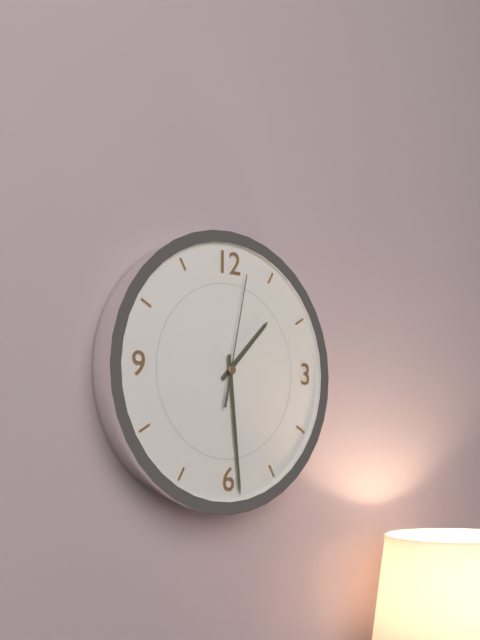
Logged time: 1,29,02
